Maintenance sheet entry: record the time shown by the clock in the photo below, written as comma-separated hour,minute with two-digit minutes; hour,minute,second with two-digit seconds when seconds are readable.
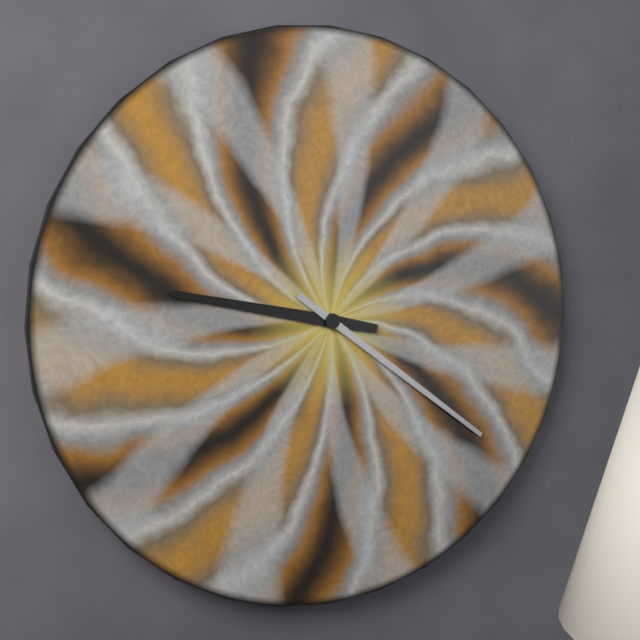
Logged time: 9,21
